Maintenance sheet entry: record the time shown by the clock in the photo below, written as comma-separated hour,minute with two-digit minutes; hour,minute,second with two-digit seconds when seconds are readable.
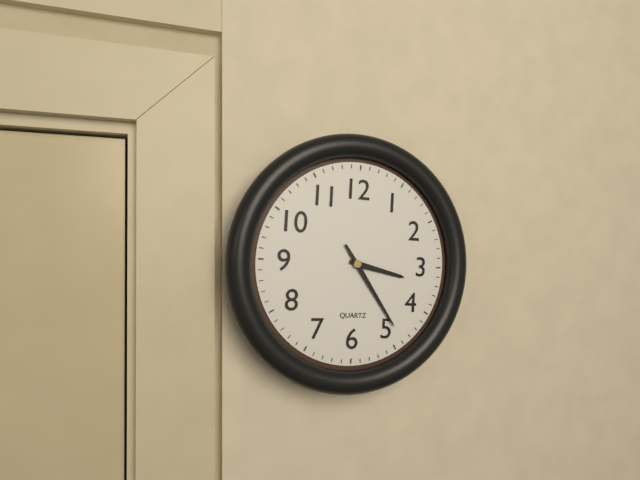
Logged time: 3,24
